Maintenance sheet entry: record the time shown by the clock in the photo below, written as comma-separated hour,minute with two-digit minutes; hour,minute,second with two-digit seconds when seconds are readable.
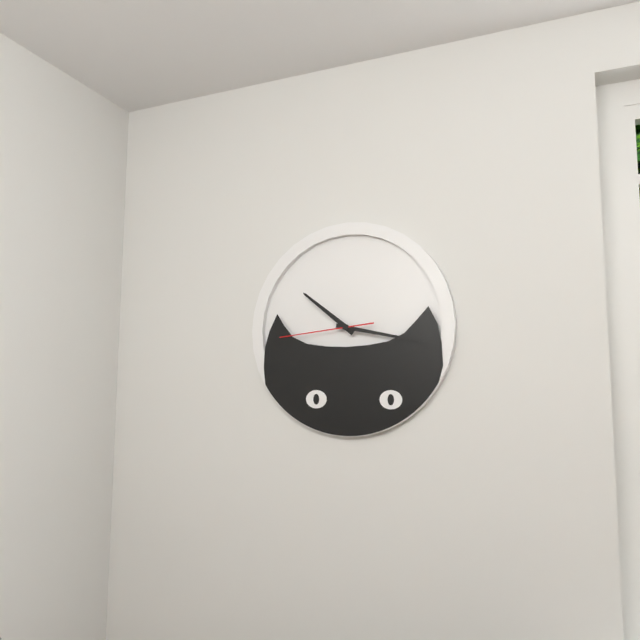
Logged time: 10,17,44
